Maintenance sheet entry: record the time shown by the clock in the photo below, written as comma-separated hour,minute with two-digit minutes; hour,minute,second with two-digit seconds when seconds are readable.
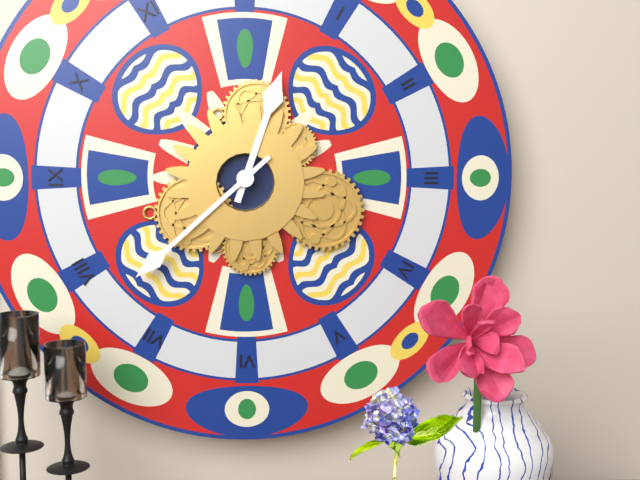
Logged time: 12,38
